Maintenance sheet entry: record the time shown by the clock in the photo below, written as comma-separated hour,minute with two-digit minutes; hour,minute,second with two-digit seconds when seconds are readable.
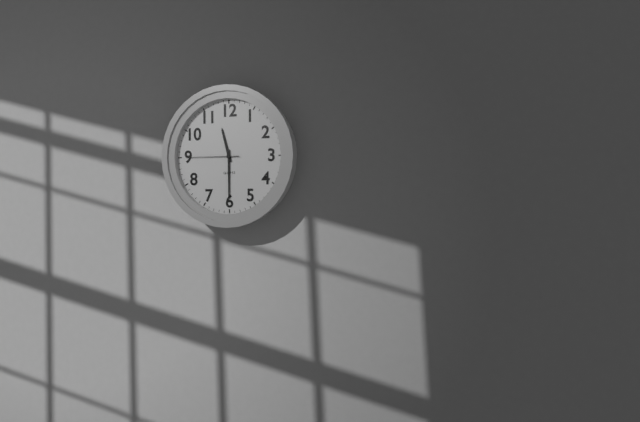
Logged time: 11,30,45
